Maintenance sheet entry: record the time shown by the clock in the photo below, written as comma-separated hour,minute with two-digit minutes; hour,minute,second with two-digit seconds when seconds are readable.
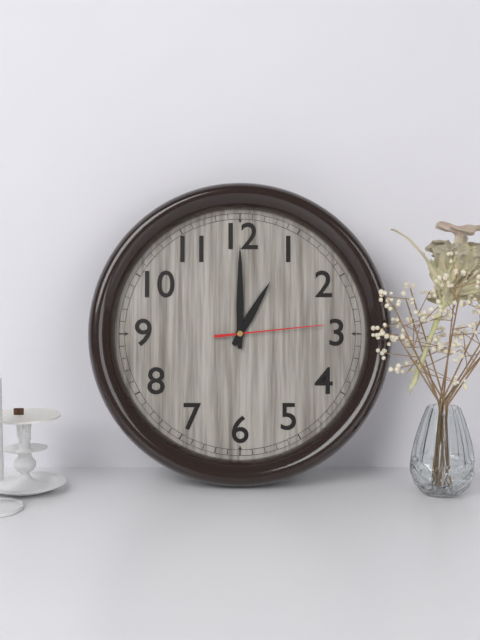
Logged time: 1,00,14
